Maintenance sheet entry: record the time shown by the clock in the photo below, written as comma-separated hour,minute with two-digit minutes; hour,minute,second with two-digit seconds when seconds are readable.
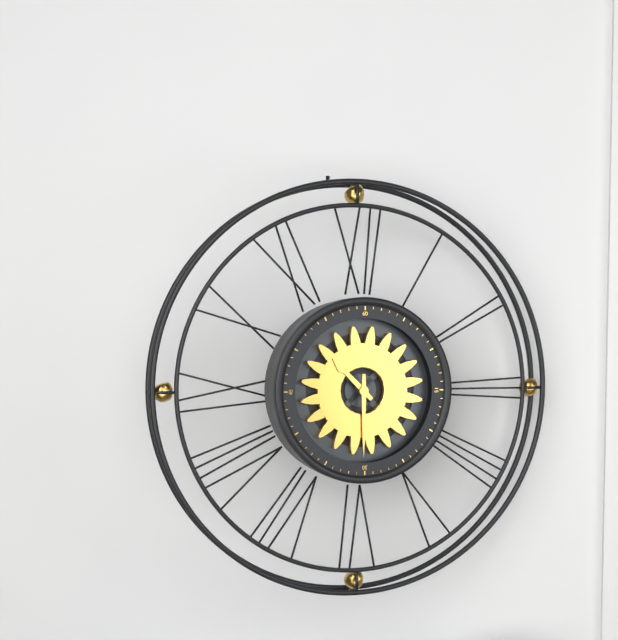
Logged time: 10,30
